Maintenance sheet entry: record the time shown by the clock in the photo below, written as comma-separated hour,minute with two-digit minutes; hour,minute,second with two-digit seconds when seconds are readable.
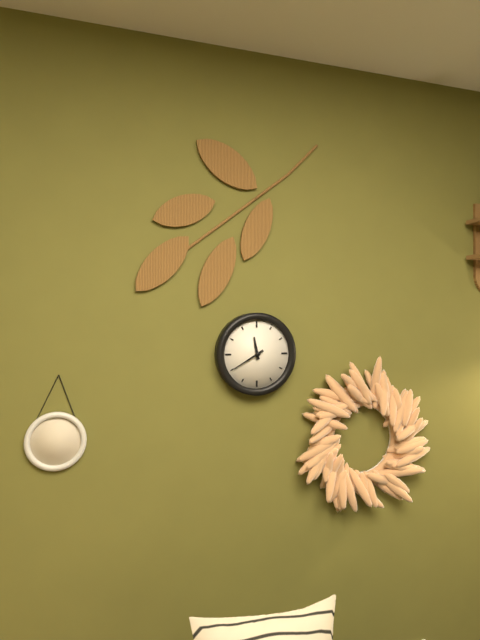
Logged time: 11,40
